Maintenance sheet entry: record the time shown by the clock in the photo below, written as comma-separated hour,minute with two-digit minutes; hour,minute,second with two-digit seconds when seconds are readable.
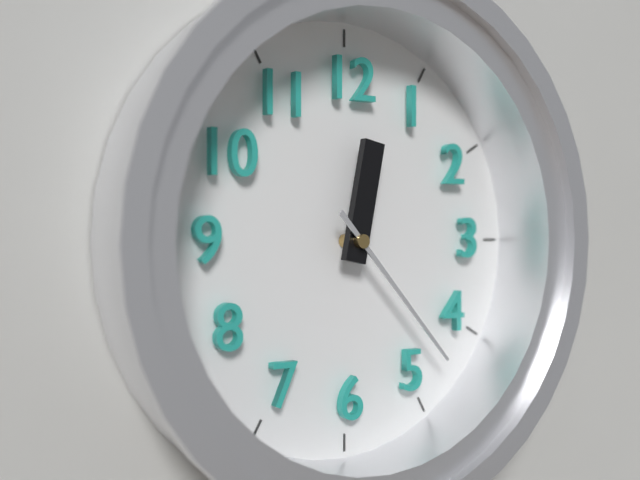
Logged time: 12,23
